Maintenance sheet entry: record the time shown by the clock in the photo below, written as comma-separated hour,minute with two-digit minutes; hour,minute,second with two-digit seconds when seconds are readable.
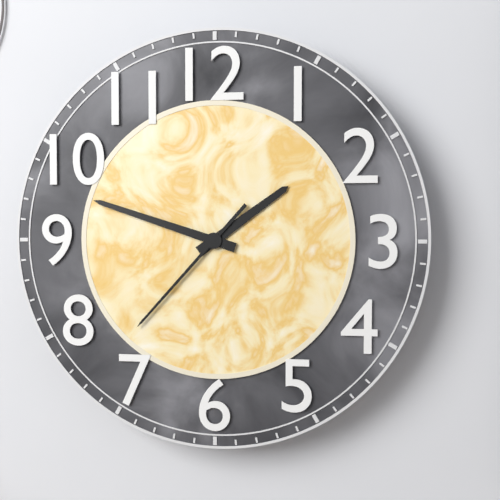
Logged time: 1,48,37
